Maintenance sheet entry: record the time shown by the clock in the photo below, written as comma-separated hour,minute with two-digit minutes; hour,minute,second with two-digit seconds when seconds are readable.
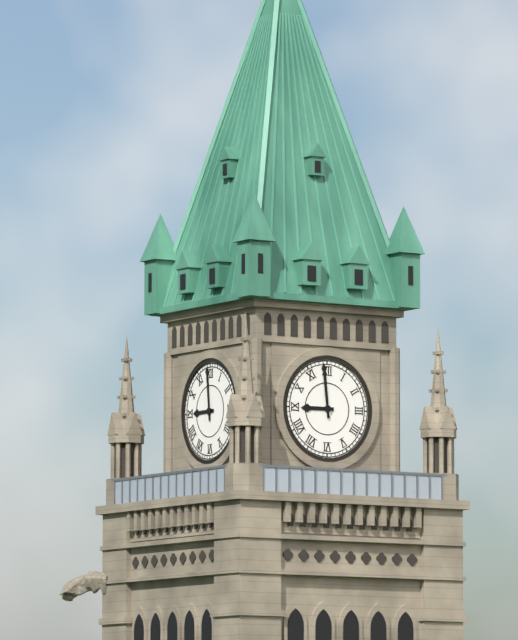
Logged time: 8,59
